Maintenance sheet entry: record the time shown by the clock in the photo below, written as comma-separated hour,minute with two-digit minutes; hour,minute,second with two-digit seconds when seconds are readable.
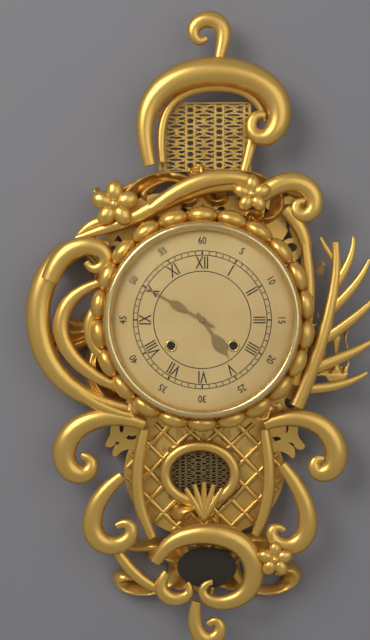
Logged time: 4,50
